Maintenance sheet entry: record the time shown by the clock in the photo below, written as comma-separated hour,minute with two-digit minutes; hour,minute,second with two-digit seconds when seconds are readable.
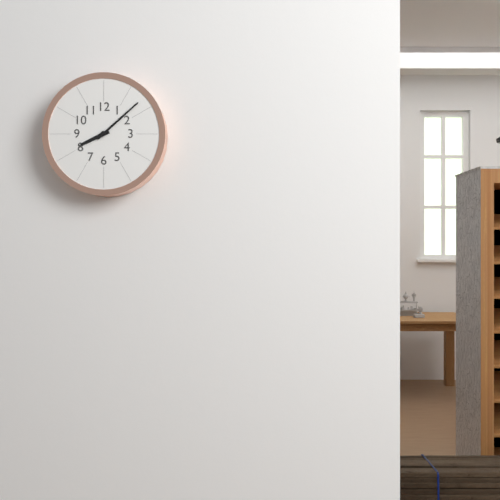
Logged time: 8,08
